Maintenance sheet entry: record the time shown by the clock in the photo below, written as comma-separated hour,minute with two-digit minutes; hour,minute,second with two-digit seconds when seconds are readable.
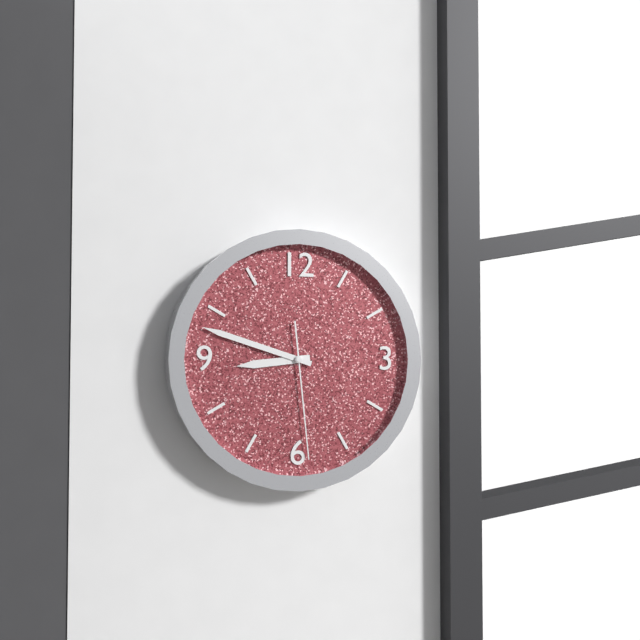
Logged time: 8,48,29
